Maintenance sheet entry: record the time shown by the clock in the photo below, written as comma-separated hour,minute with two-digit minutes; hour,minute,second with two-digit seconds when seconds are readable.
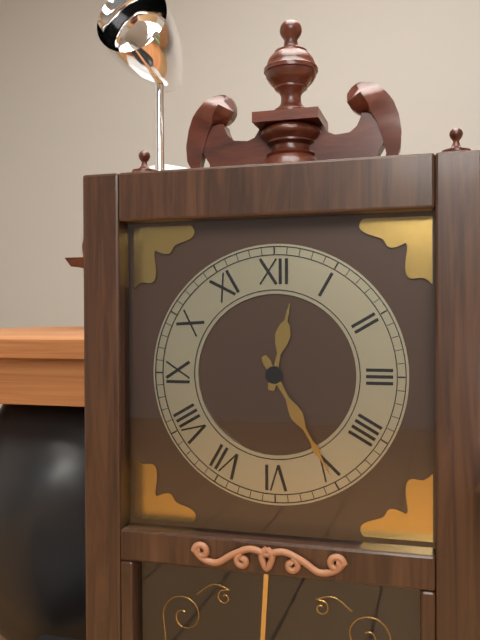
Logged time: 12,25
